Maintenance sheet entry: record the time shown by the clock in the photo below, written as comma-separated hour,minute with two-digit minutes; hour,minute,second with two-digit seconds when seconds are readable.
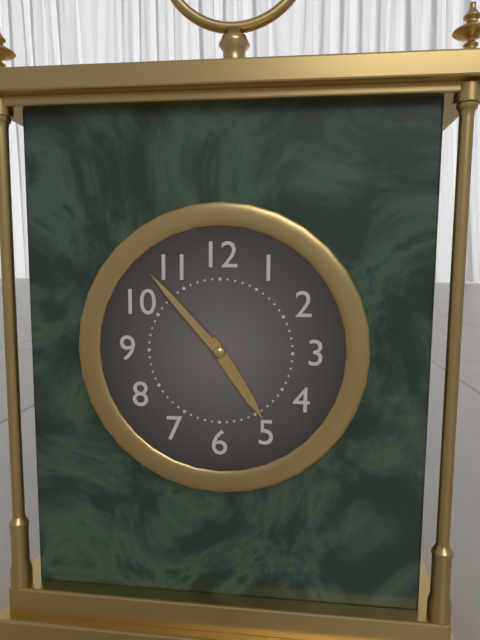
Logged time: 4,53
